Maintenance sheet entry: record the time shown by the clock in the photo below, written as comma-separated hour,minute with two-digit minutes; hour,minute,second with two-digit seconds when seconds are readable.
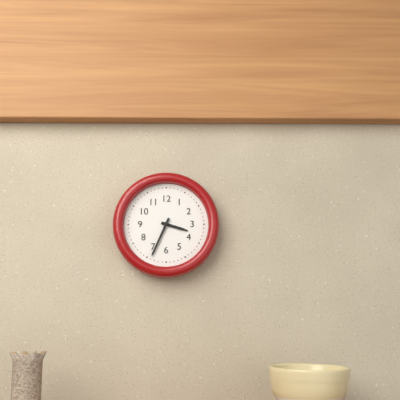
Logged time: 3,34
